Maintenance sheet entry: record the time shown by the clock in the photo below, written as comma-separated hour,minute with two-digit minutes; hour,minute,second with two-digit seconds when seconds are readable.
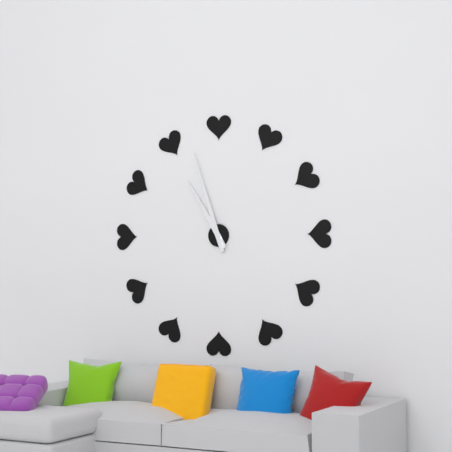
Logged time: 10,57
